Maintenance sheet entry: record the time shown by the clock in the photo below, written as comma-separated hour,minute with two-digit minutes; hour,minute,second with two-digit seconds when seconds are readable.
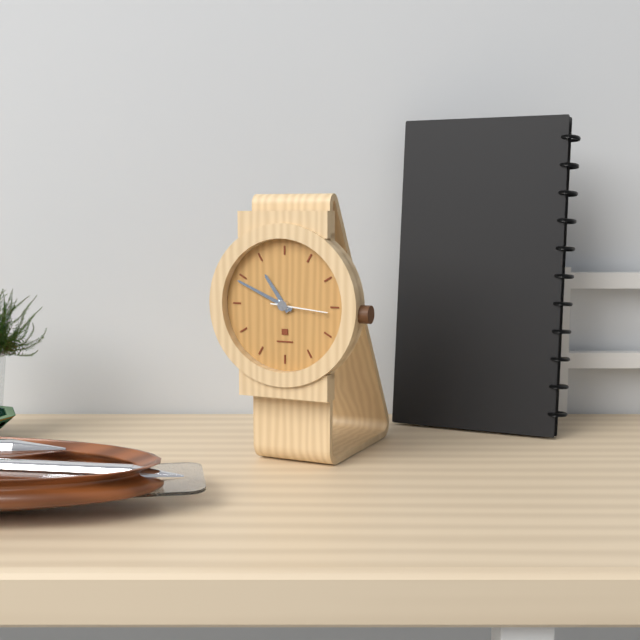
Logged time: 10,49,16
